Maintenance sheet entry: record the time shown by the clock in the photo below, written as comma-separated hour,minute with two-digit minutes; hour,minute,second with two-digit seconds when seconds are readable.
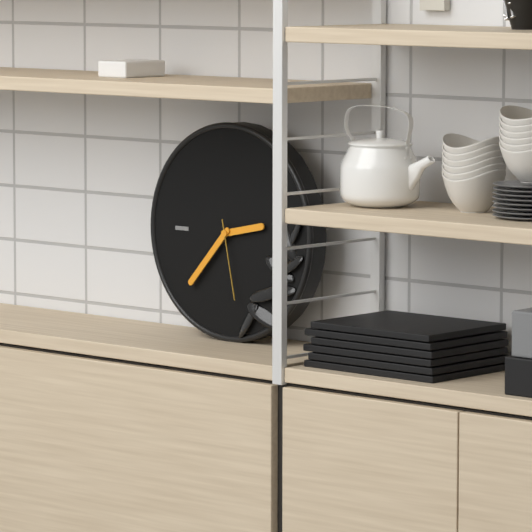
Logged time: 2,37,28
